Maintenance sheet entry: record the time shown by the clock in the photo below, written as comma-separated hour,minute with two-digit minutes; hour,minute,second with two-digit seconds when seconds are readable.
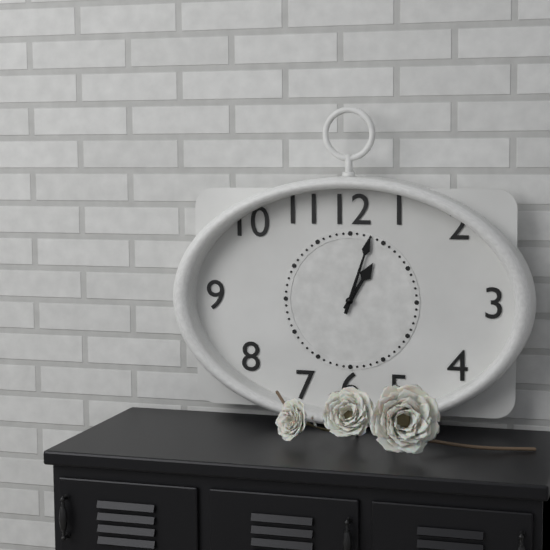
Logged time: 1,03
